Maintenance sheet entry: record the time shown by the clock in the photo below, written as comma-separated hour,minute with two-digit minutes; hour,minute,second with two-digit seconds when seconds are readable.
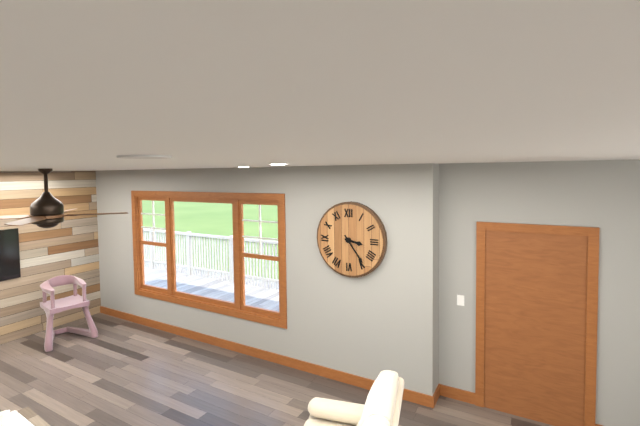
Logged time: 3,24
